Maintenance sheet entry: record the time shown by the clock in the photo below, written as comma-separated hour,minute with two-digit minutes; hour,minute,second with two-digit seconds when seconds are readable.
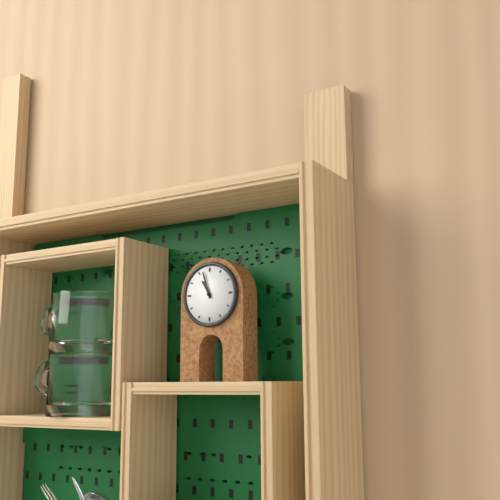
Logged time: 10,57
